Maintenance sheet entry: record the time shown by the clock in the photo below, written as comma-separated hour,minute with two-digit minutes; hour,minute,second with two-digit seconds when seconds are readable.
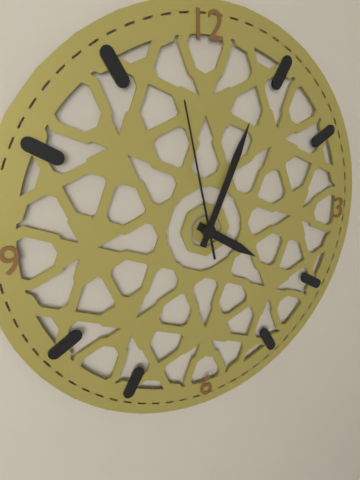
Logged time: 4,04,58
